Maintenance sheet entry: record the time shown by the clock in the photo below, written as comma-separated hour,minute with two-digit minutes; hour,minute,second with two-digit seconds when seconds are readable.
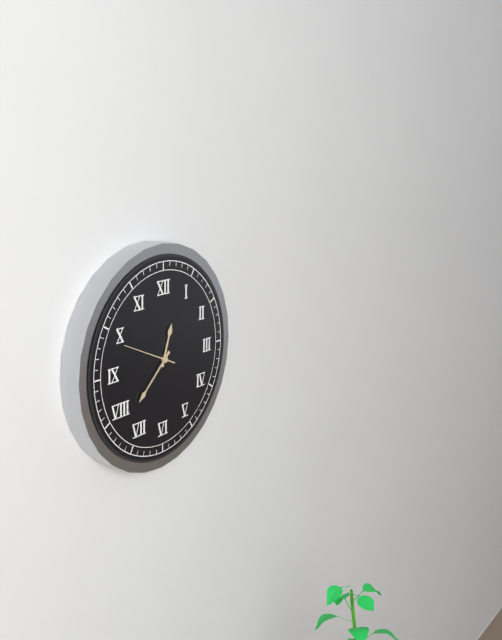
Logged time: 12,38,49
